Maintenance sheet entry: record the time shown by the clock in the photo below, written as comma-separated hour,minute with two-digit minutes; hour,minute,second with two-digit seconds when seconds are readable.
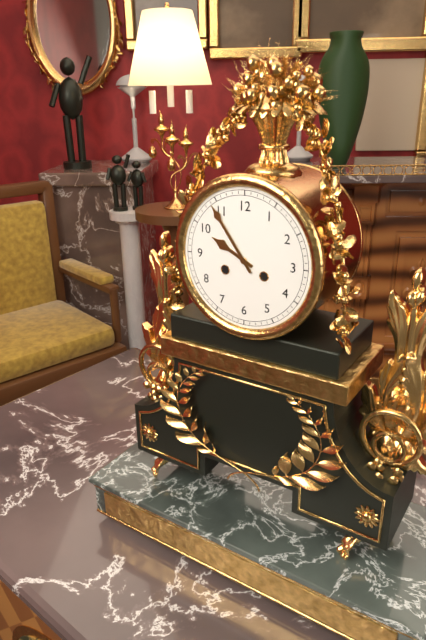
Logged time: 9,54
